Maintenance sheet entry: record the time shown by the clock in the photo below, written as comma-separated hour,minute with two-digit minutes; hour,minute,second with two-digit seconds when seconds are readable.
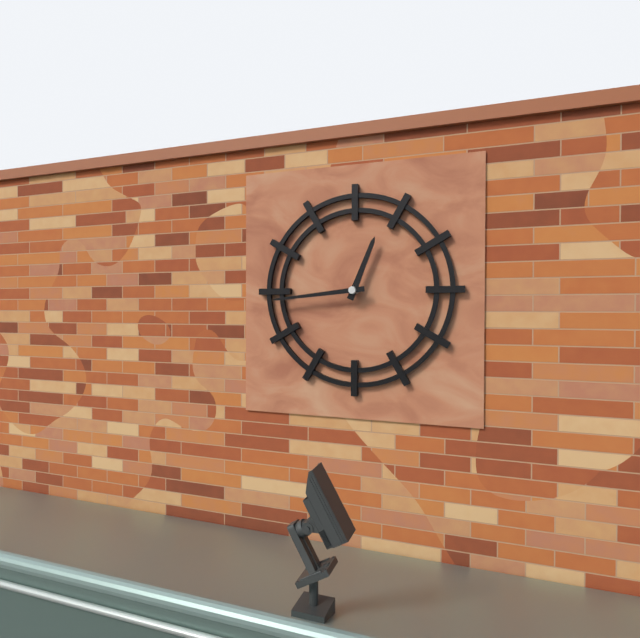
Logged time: 12,44
